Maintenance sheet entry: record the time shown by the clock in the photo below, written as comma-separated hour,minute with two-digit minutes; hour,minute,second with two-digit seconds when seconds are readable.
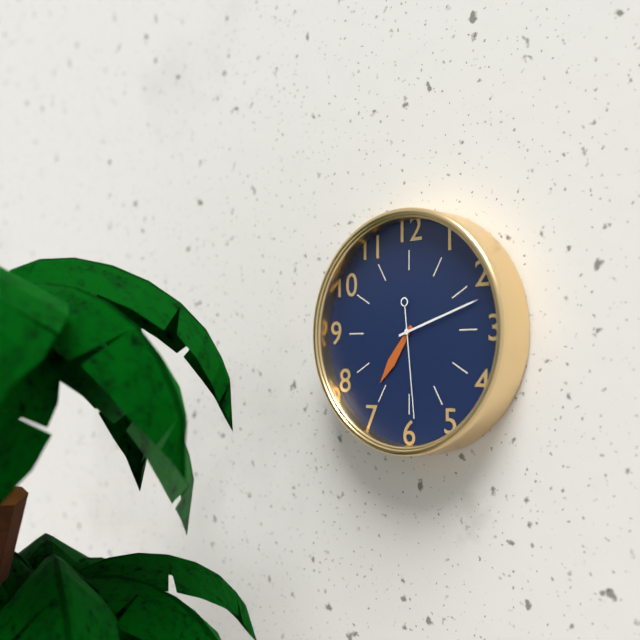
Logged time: 7,12,29
